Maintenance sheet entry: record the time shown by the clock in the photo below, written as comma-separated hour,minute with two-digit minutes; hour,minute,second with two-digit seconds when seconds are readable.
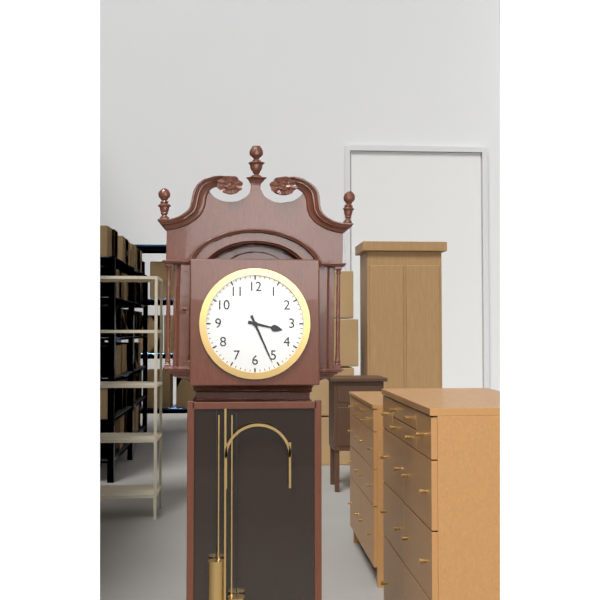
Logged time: 3,26
